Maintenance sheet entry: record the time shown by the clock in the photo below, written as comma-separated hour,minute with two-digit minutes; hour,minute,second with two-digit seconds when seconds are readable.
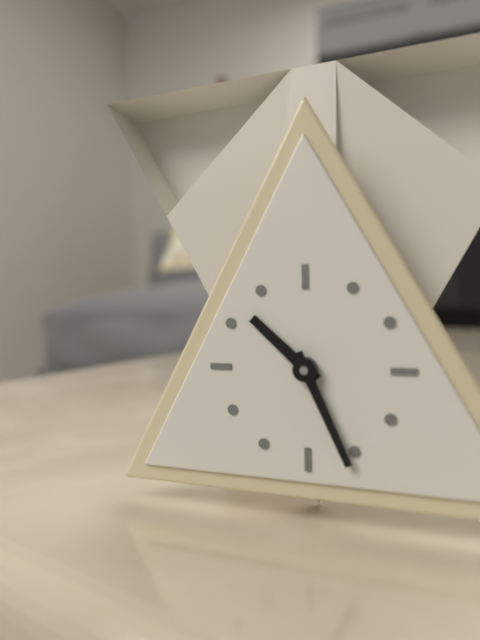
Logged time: 10,26
